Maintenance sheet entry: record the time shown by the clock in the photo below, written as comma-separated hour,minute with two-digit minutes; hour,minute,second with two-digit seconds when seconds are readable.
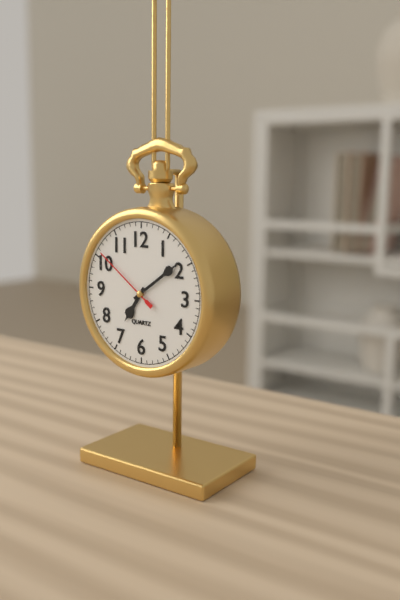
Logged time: 7,09,51
